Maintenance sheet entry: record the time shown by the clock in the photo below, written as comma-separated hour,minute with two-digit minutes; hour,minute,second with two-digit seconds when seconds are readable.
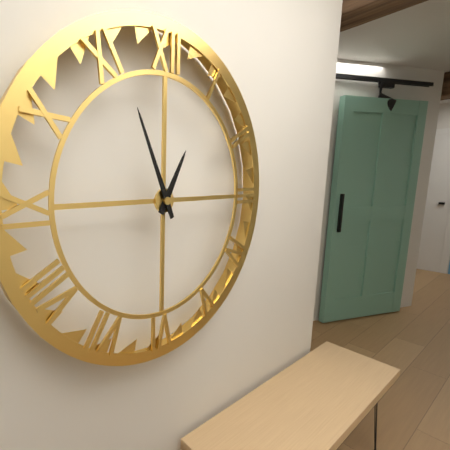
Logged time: 12,56
